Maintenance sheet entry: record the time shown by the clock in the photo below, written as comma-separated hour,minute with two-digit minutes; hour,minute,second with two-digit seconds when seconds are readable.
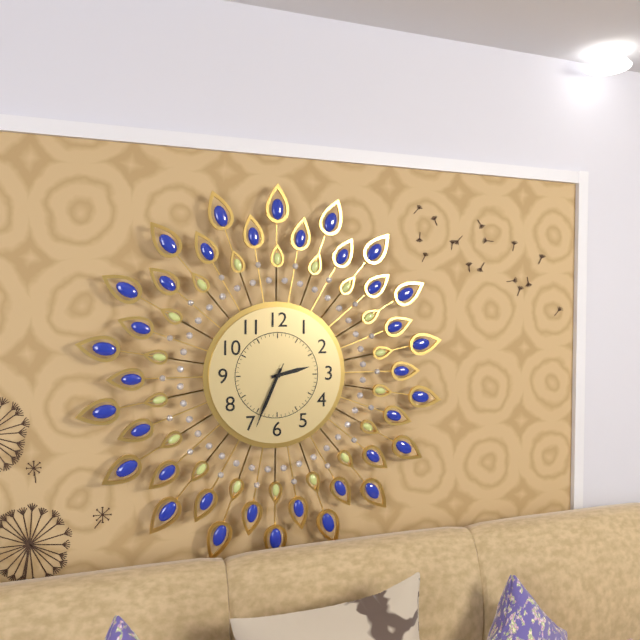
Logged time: 2,34,34
